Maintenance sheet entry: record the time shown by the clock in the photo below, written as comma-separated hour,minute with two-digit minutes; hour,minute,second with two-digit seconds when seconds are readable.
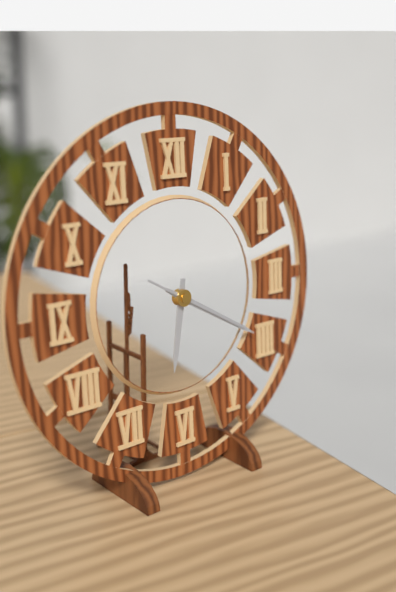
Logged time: 6,20,20
